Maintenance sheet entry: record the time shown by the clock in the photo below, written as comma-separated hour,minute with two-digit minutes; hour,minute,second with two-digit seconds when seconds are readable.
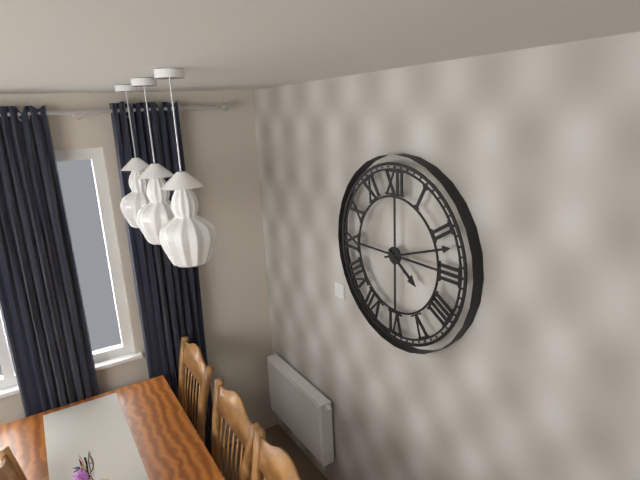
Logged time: 4,12
